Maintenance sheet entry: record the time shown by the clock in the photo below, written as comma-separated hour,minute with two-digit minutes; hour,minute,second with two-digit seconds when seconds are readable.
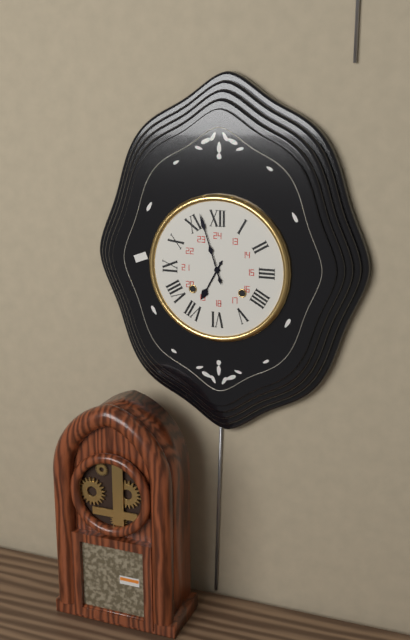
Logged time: 6,57
